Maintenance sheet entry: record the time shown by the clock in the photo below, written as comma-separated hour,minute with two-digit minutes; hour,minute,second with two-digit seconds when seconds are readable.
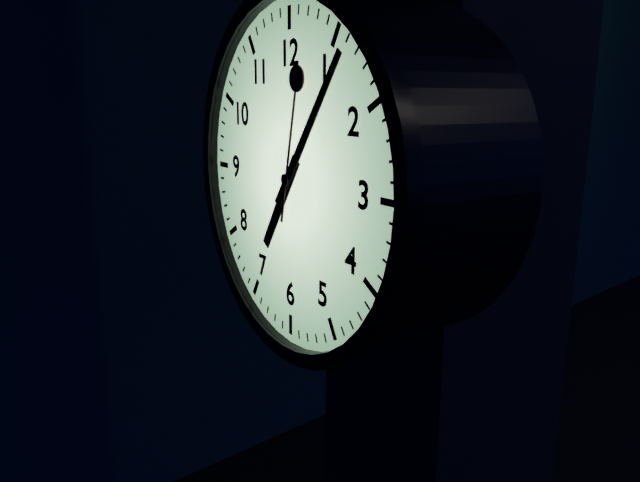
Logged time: 7,06,02
